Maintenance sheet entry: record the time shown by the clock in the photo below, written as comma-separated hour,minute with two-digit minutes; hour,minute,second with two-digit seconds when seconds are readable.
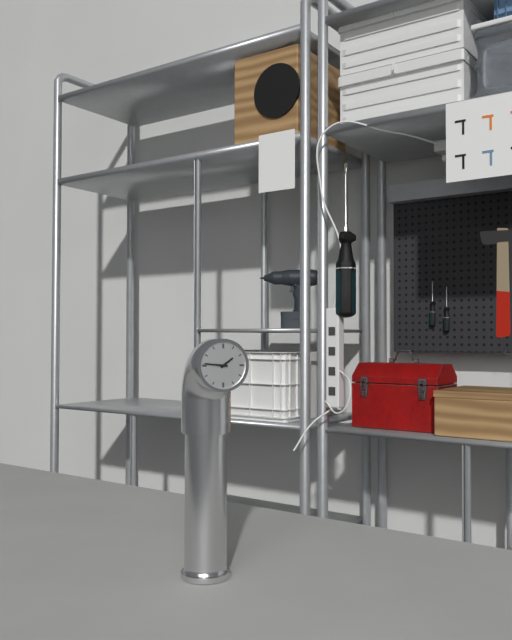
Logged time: 1,46
